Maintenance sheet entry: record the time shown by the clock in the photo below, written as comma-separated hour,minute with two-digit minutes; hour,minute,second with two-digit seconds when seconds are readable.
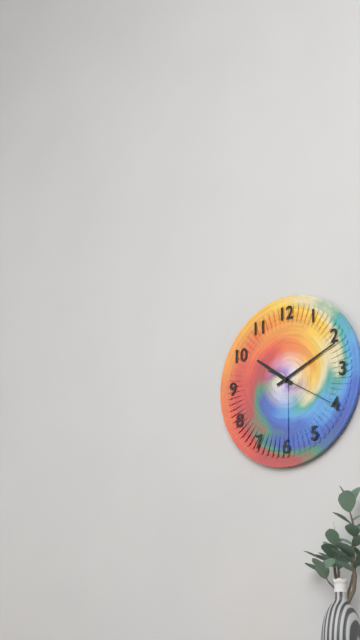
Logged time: 10,11,20
